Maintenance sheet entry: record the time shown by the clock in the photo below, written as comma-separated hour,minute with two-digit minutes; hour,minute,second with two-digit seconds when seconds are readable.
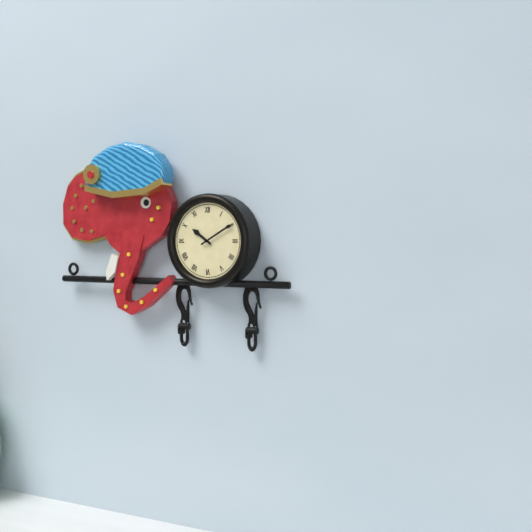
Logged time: 10,10
